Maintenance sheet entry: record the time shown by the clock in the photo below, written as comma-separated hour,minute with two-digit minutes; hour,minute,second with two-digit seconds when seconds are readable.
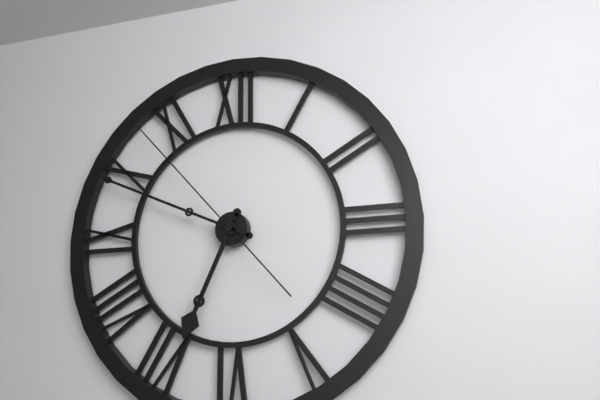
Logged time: 6,49,53
